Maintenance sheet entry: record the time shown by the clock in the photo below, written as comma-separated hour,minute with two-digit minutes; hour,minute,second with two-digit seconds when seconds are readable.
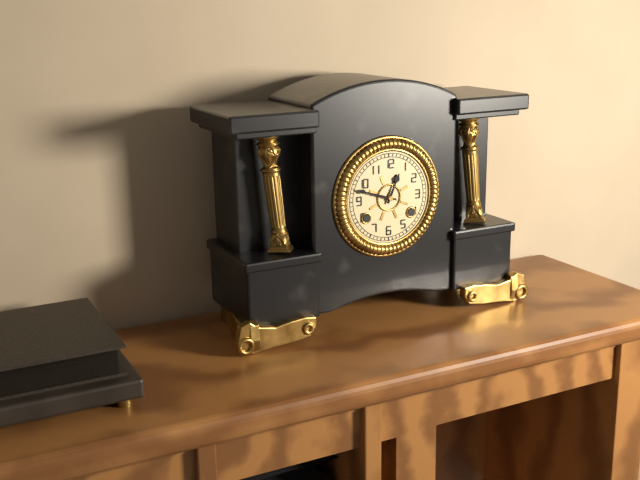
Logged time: 12,48
